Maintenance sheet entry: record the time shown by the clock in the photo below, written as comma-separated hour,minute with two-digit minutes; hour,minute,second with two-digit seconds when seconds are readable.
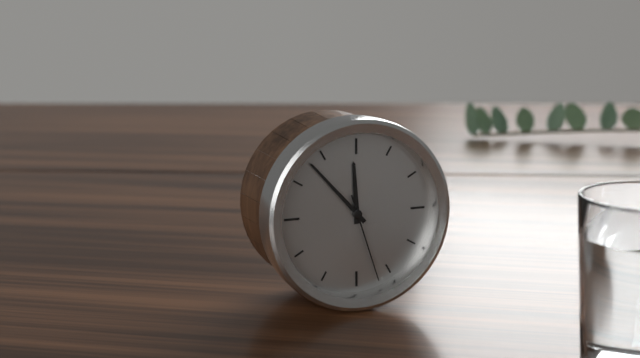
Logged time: 11,53,27
